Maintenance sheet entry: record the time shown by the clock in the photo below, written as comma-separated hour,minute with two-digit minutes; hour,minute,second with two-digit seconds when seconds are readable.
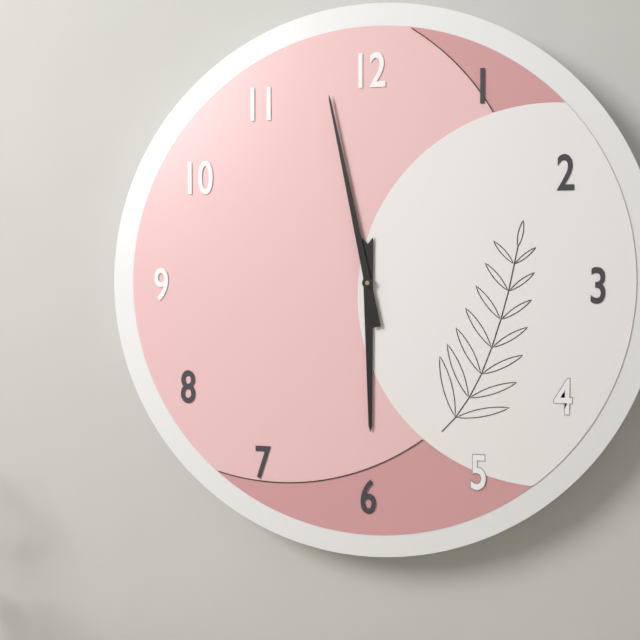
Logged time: 5,58
